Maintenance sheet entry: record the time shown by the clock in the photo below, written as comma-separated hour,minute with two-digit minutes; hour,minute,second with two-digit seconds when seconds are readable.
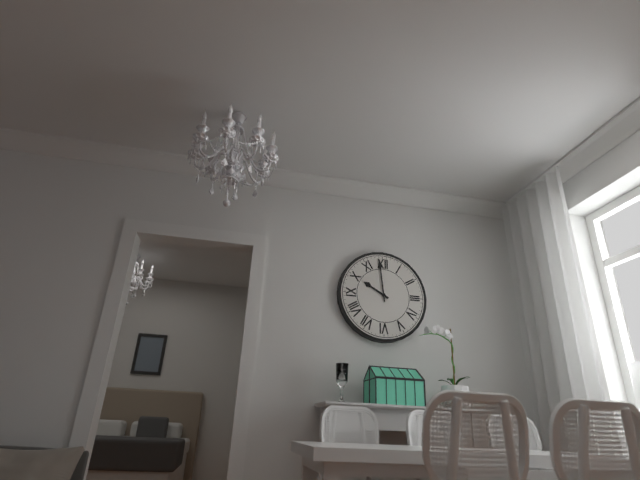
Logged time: 9,59
